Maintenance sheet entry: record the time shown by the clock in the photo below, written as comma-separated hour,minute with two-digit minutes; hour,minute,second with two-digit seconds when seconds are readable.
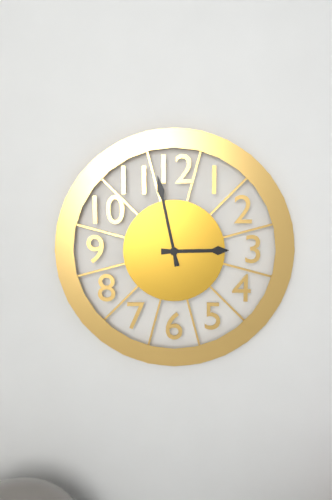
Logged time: 2,58
